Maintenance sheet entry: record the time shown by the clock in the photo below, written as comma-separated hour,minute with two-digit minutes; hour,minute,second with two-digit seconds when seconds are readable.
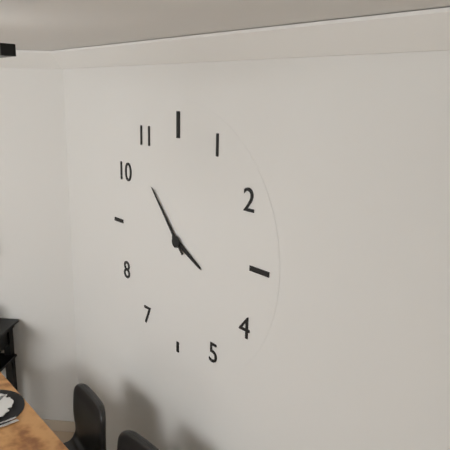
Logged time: 3,53
